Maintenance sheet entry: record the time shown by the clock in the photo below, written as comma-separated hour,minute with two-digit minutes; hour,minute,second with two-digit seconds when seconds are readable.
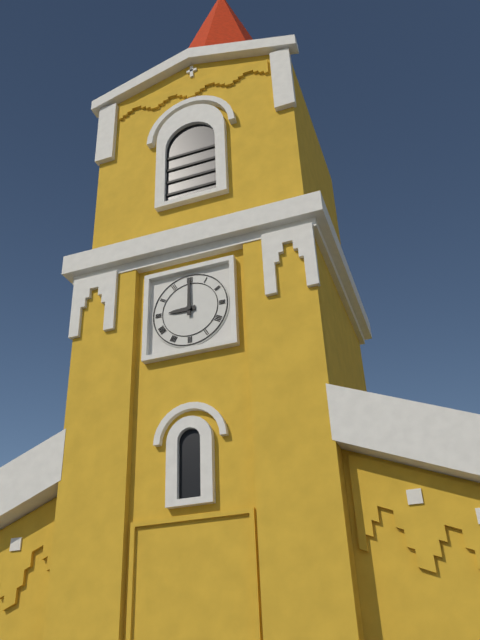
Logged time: 9,00
